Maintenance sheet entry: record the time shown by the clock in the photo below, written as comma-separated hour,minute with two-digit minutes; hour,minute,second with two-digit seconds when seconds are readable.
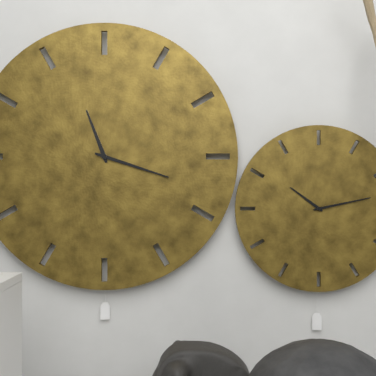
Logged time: 11,18
